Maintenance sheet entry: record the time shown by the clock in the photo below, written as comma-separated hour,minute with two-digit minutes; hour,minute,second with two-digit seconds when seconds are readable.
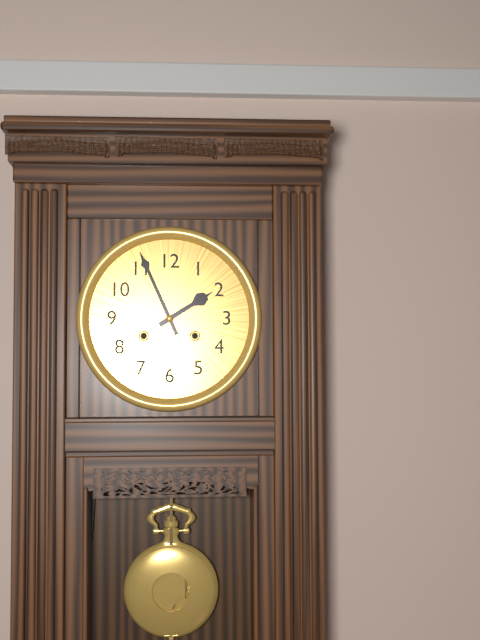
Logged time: 1,56
